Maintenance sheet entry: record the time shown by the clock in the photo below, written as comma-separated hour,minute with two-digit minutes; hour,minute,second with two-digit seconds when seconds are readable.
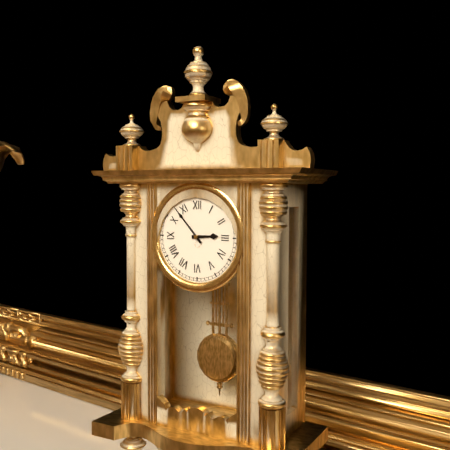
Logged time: 2,53
